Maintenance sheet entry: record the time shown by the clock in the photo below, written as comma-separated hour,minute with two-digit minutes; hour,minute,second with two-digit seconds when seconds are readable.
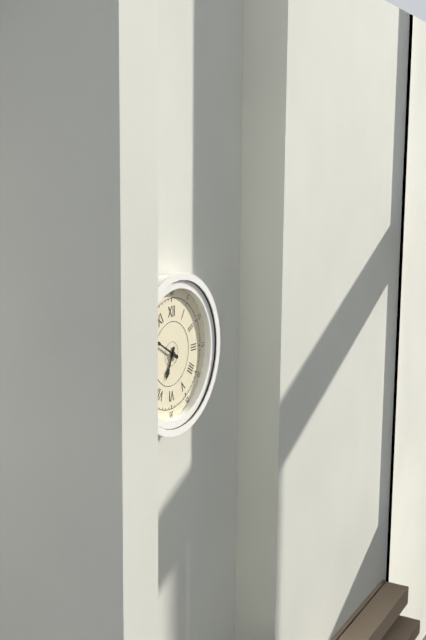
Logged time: 6,50
